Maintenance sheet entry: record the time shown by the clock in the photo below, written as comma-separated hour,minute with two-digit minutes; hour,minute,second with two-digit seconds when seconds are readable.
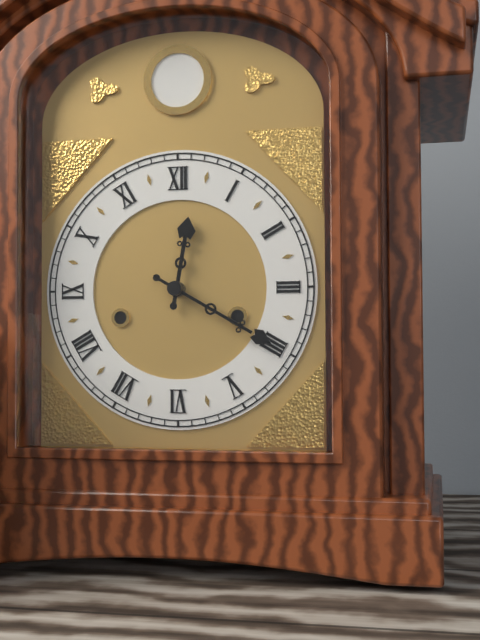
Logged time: 12,20
